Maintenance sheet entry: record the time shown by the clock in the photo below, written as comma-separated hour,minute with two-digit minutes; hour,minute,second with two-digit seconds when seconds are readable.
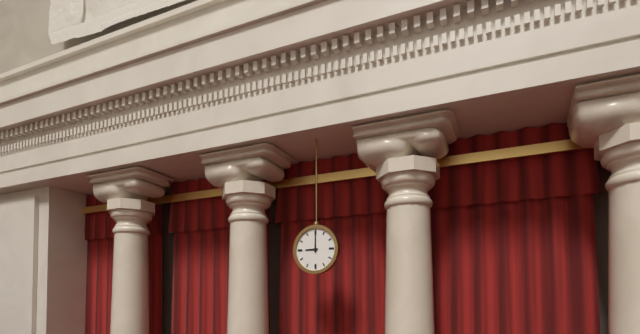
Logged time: 9,00
